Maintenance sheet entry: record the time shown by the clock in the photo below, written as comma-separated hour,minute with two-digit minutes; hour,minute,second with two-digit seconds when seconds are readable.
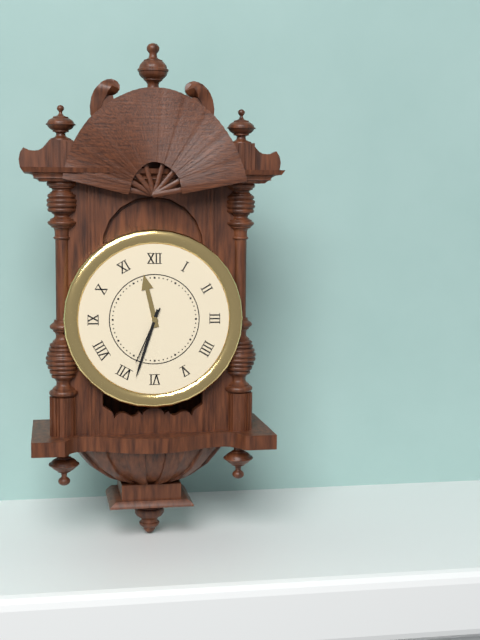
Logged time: 11,33,34
